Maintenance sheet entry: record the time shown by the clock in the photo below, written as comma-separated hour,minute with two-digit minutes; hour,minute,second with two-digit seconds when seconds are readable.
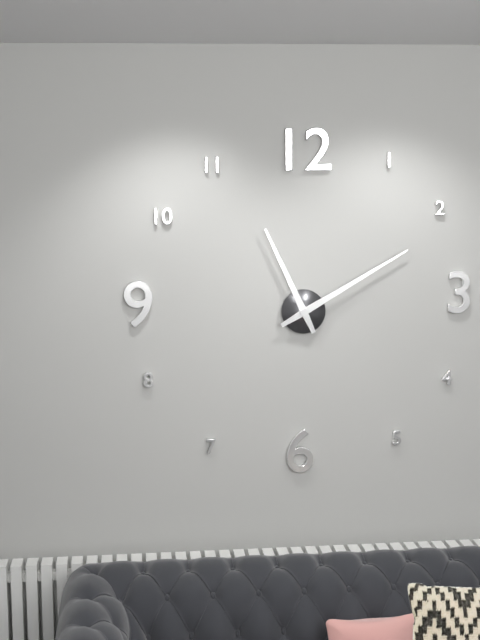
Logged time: 11,10
